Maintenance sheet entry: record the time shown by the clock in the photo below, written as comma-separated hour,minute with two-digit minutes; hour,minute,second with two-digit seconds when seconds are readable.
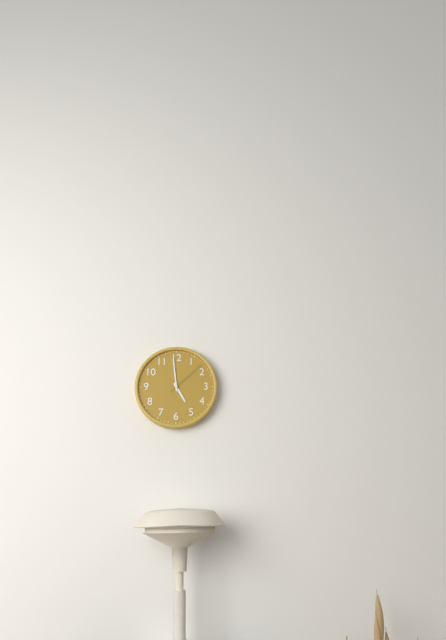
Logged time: 4,59
